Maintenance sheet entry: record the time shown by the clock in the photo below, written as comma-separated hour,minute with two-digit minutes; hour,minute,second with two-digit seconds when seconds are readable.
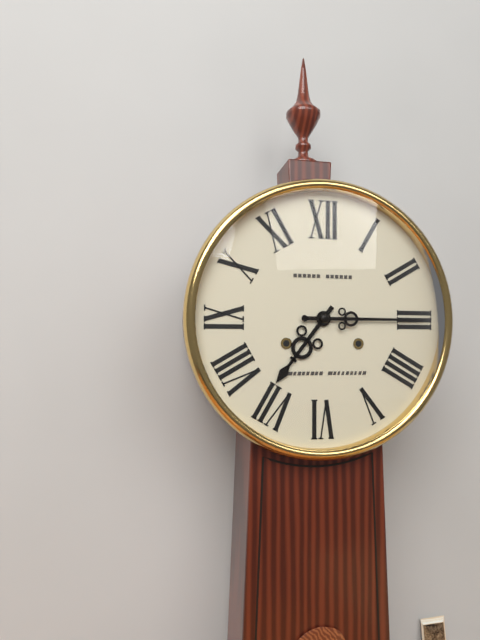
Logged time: 7,15
